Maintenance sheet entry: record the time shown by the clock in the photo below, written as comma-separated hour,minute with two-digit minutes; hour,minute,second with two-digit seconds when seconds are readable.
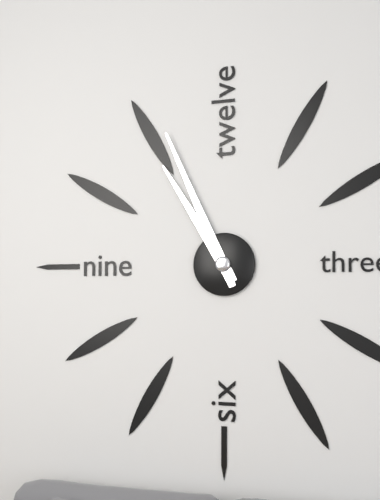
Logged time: 10,56
